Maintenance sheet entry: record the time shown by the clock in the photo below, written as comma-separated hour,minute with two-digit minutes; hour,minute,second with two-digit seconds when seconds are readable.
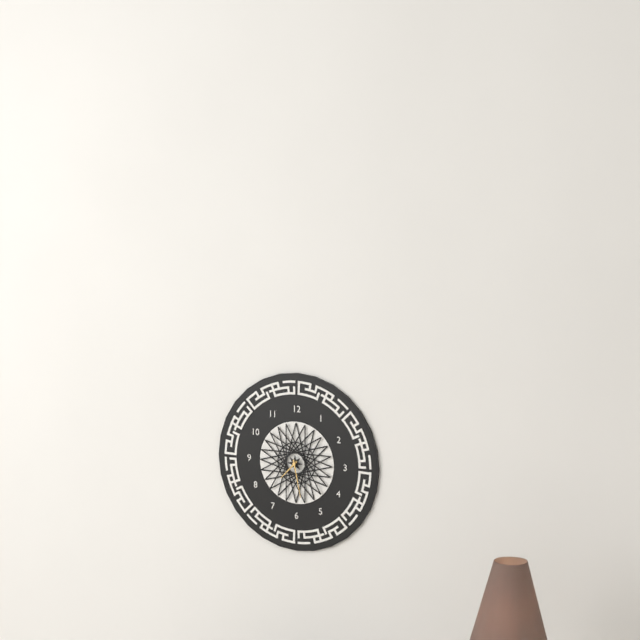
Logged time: 7,28
